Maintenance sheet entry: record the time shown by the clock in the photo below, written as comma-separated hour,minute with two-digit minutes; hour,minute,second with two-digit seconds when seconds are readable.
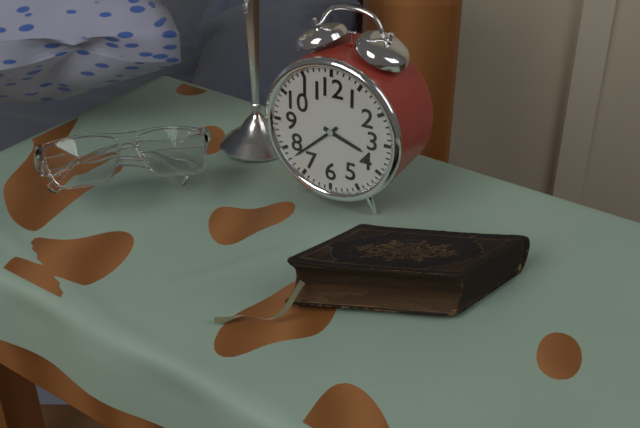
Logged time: 3,38
